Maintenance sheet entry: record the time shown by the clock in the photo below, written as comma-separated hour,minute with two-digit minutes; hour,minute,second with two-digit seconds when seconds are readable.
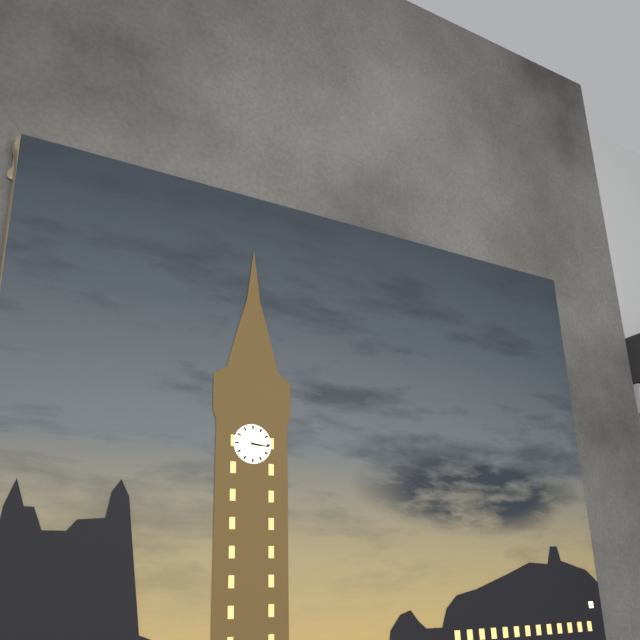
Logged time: 3,16
